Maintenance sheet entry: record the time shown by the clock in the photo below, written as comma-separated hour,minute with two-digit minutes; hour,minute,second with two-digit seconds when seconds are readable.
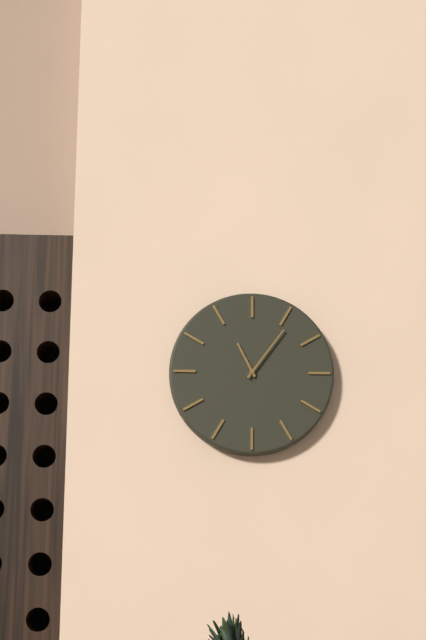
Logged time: 11,06
